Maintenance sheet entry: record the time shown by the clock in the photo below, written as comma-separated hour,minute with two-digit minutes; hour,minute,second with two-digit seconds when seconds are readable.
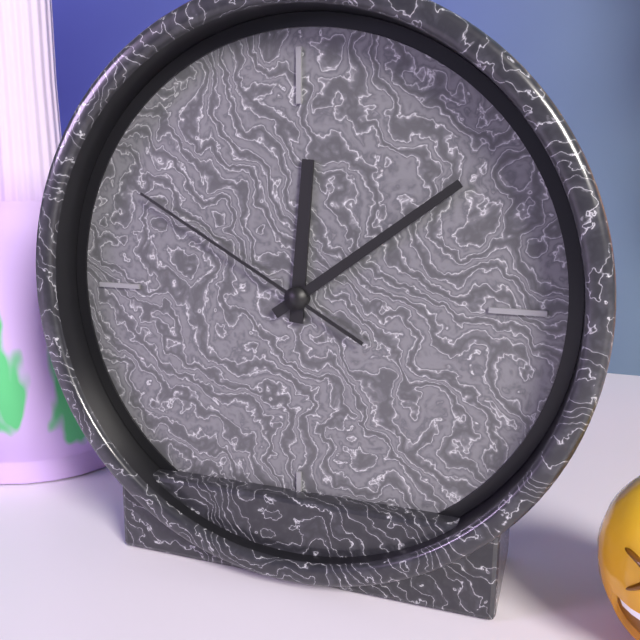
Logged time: 12,09,50
